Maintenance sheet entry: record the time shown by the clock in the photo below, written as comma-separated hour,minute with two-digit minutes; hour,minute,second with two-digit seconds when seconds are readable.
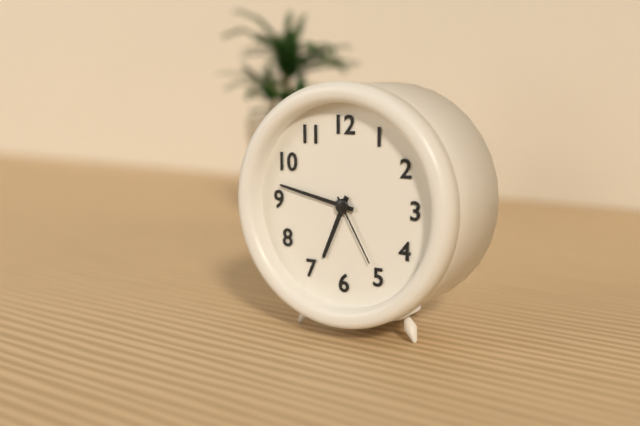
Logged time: 6,47,25
